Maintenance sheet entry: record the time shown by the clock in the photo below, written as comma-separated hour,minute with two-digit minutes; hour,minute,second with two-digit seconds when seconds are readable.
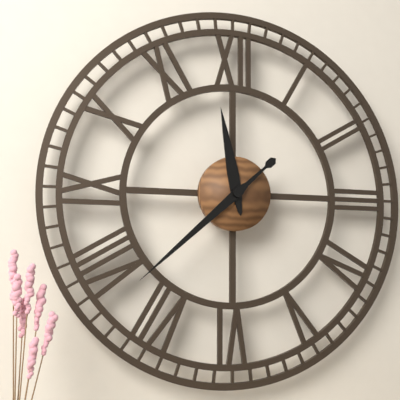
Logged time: 11,38
